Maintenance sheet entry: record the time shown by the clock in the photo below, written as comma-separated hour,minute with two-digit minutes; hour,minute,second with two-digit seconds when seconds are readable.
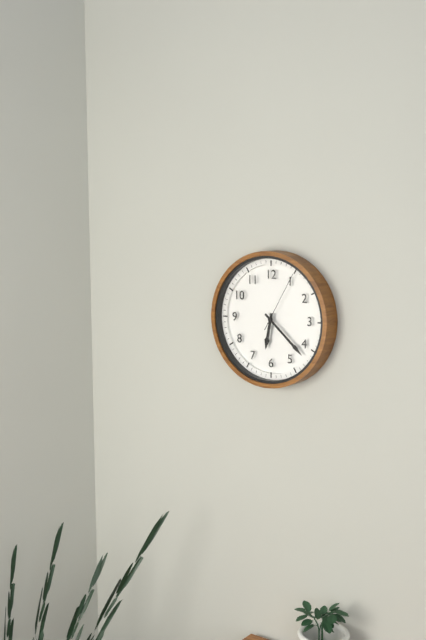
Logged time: 6,22,05
